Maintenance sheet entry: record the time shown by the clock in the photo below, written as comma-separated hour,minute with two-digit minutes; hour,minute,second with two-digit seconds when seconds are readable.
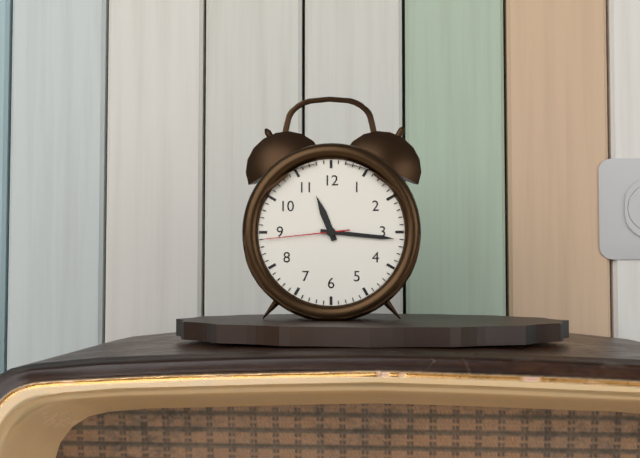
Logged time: 11,16,44
